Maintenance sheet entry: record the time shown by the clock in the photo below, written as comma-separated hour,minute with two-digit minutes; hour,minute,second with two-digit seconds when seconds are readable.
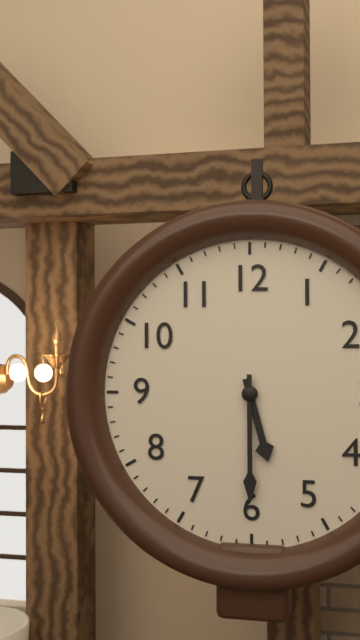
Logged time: 5,30
